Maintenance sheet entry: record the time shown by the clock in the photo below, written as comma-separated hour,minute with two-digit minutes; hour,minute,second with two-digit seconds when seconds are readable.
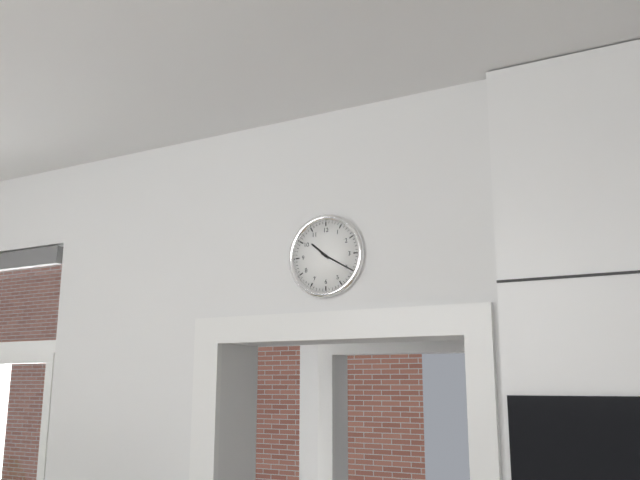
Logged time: 10,20
